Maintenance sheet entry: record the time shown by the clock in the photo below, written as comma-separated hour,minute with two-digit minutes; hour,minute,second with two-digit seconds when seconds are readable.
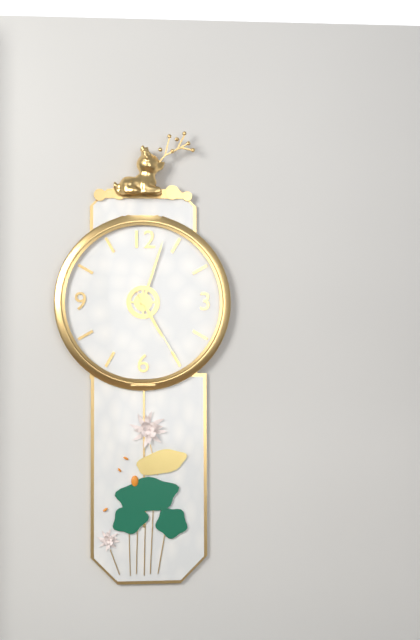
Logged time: 5,03,25
